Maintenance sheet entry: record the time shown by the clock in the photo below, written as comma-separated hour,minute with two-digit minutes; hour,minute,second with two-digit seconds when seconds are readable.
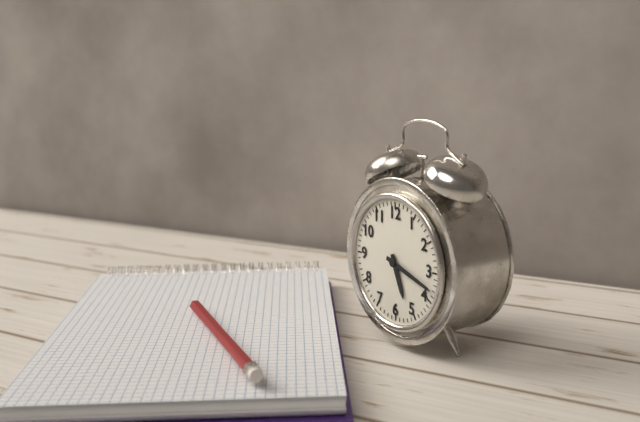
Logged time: 5,18
